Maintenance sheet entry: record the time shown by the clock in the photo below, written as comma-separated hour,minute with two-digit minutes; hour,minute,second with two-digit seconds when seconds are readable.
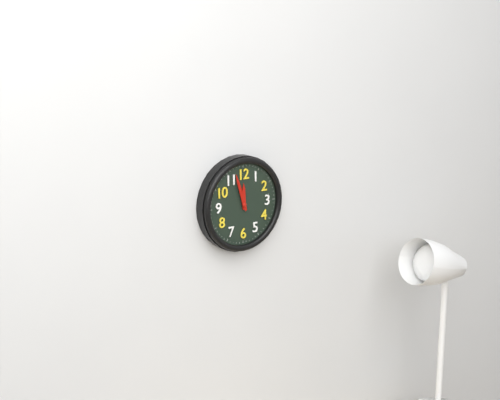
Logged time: 11,57
